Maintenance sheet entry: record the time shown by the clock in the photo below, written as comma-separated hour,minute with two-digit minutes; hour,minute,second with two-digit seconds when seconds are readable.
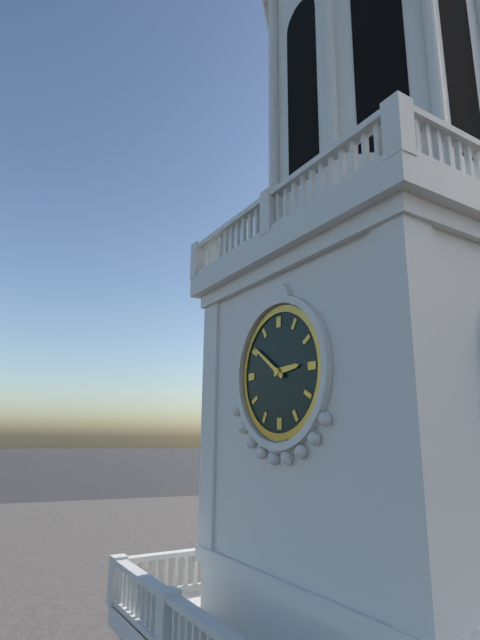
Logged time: 2,51
